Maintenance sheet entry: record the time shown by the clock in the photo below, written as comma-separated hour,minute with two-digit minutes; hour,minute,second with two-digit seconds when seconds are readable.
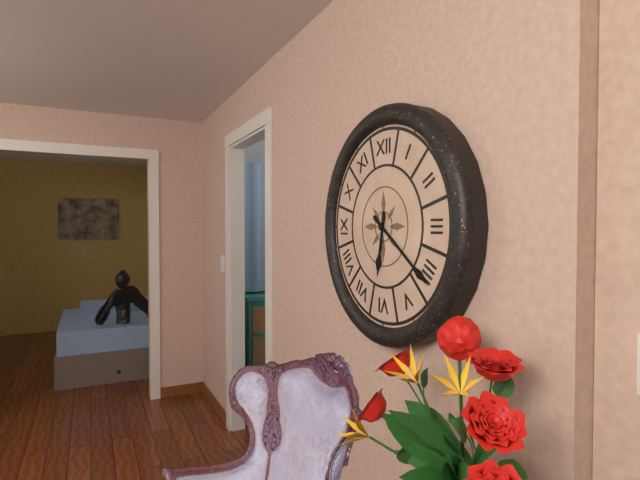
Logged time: 6,21
